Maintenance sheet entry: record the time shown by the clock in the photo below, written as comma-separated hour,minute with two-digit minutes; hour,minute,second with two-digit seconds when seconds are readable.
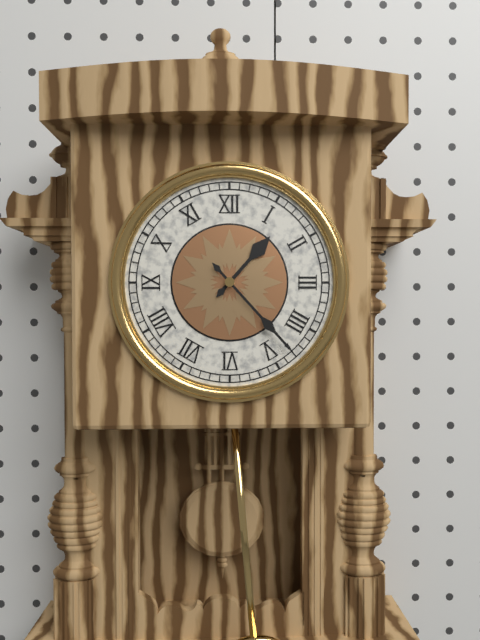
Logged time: 1,23
